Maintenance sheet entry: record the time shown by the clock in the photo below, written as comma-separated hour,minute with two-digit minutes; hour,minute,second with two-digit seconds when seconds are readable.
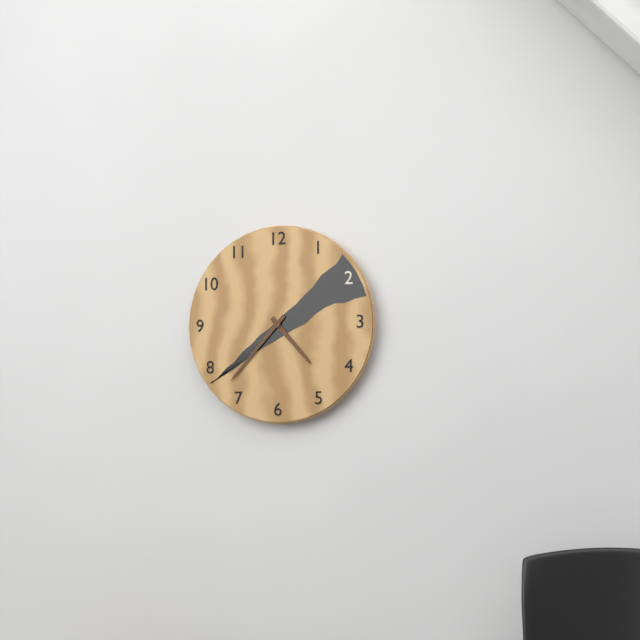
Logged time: 4,37
